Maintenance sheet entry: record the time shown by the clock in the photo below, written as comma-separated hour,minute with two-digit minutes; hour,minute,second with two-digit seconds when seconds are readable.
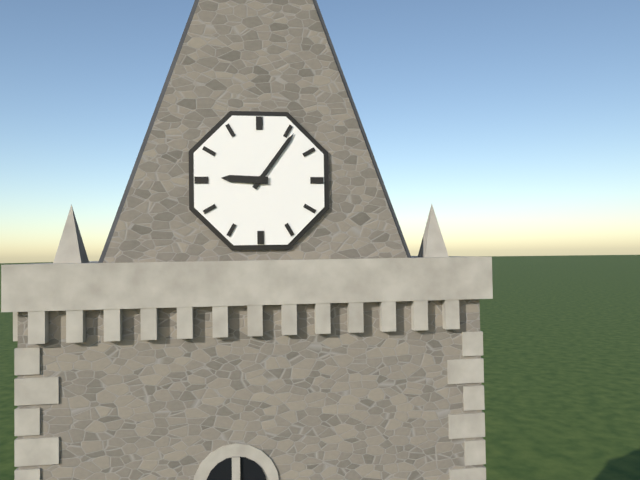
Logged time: 9,06
